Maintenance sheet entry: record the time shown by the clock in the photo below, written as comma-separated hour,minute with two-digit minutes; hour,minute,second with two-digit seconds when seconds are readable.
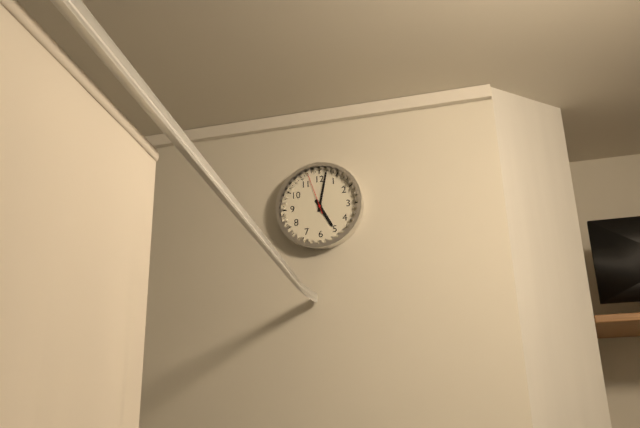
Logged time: 5,02
